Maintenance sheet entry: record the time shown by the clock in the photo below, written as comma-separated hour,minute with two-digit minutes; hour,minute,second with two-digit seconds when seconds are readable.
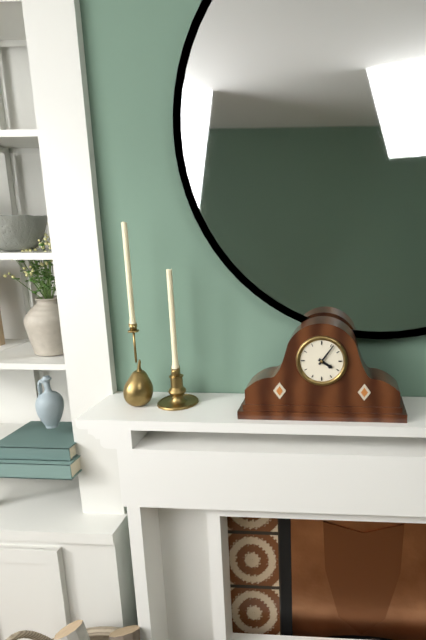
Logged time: 4,06
